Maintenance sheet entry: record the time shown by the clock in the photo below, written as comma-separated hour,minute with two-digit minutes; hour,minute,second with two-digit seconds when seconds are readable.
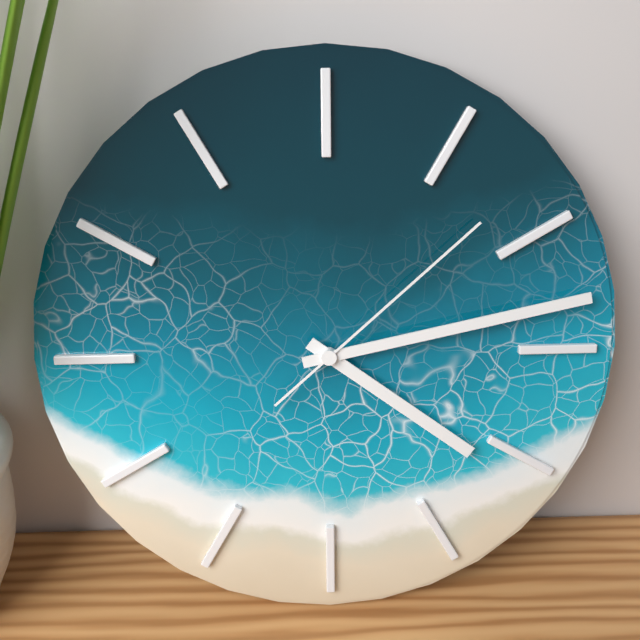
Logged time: 4,13,08
